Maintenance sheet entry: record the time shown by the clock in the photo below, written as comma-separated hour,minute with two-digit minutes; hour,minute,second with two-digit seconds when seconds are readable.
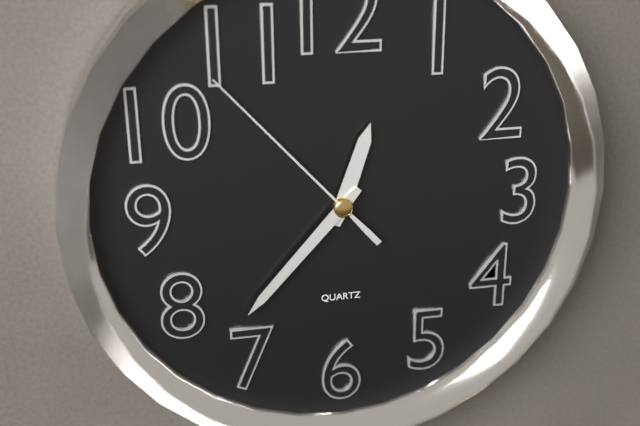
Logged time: 12,37,53
